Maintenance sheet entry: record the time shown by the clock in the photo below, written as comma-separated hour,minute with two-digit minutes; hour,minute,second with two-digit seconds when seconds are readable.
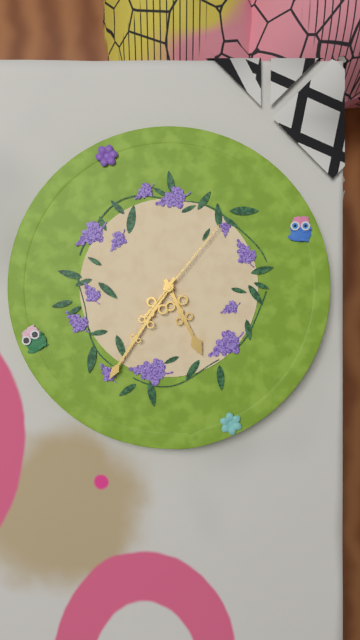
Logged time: 5,38,09
